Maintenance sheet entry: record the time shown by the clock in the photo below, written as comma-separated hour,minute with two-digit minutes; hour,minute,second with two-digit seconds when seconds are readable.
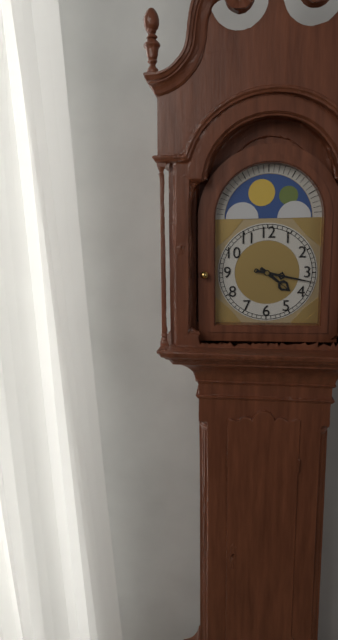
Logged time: 4,17
